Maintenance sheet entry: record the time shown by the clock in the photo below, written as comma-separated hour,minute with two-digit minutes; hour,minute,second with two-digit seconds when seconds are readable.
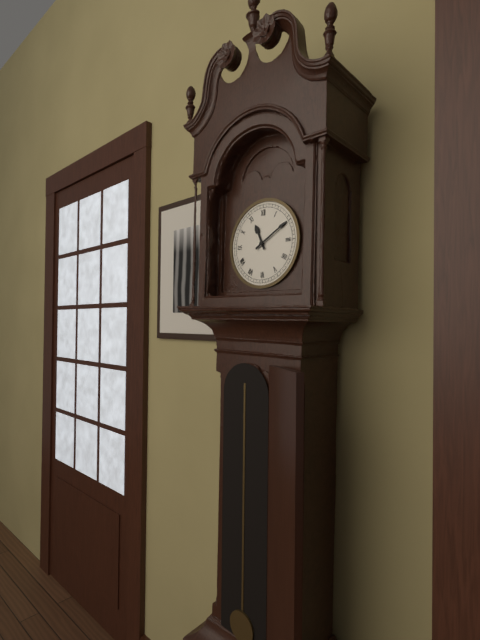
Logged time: 11,10
